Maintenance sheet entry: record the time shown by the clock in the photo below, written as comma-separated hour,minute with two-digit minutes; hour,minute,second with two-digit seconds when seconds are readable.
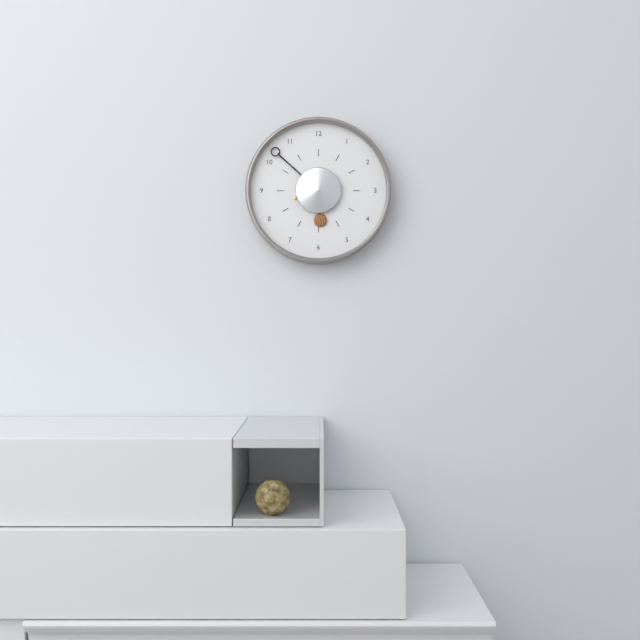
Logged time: 5,52
